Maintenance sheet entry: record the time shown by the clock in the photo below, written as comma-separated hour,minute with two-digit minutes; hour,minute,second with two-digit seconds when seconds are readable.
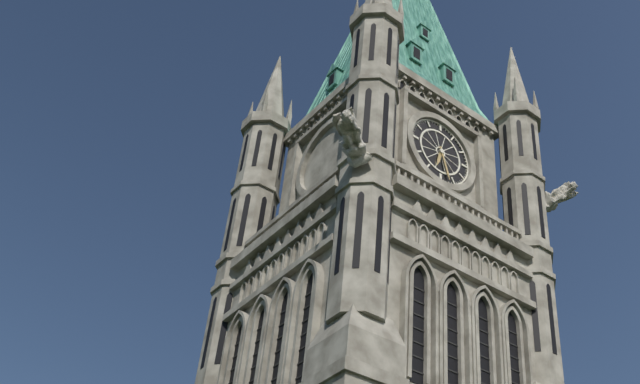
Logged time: 6,27
